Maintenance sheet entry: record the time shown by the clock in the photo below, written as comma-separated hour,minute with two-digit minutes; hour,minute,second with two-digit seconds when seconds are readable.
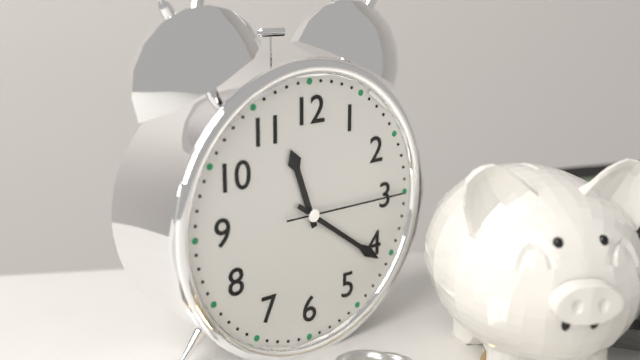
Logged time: 11,21,15
